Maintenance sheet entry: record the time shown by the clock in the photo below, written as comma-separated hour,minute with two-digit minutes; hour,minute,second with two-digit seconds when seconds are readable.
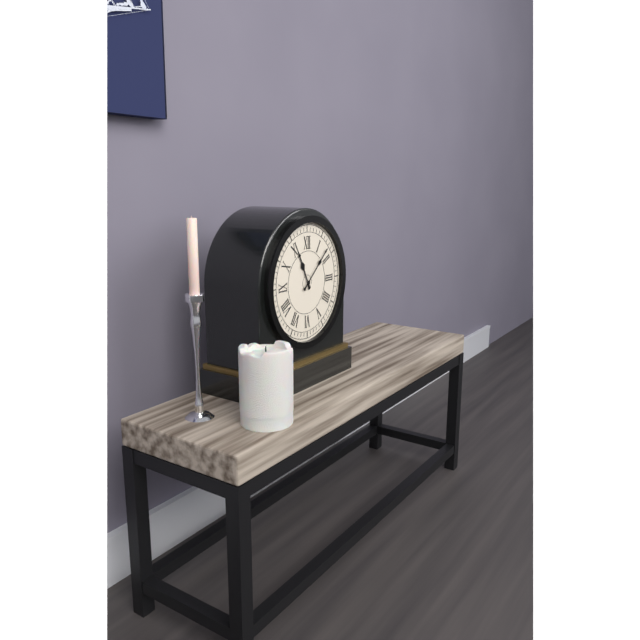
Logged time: 11,08
